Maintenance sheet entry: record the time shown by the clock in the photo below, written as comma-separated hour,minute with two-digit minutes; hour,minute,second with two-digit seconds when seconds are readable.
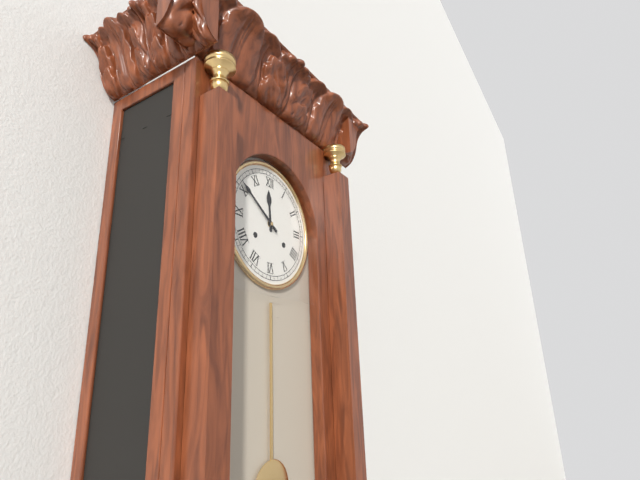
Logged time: 11,51
